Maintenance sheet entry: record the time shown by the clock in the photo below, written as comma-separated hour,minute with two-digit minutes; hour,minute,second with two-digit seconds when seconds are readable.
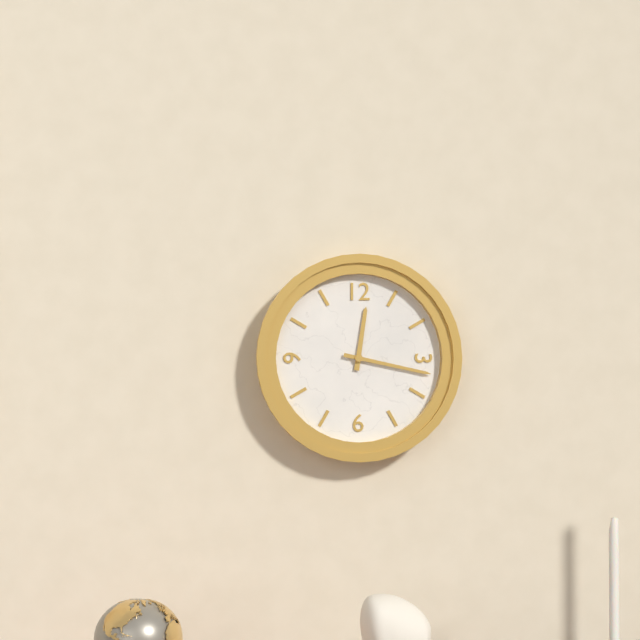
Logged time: 12,17
